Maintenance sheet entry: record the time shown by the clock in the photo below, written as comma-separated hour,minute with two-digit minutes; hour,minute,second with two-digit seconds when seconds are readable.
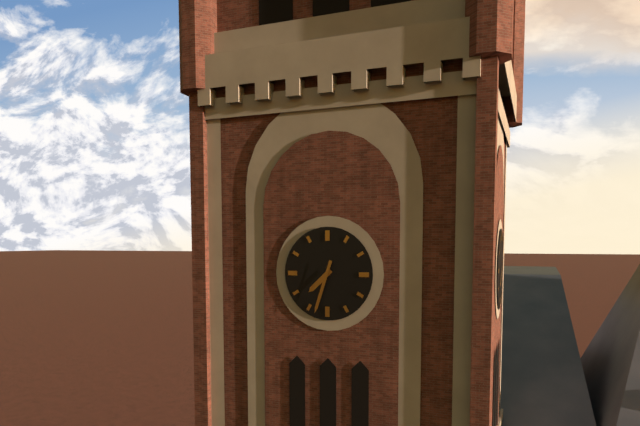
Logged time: 7,33
